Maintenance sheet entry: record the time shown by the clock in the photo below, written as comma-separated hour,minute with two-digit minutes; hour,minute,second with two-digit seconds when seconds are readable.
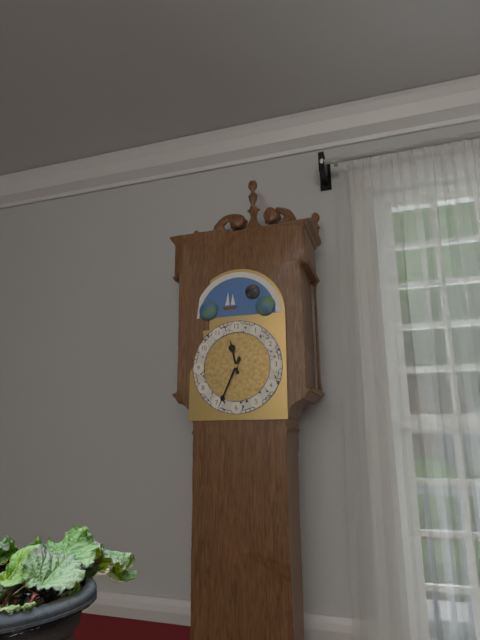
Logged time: 11,34
